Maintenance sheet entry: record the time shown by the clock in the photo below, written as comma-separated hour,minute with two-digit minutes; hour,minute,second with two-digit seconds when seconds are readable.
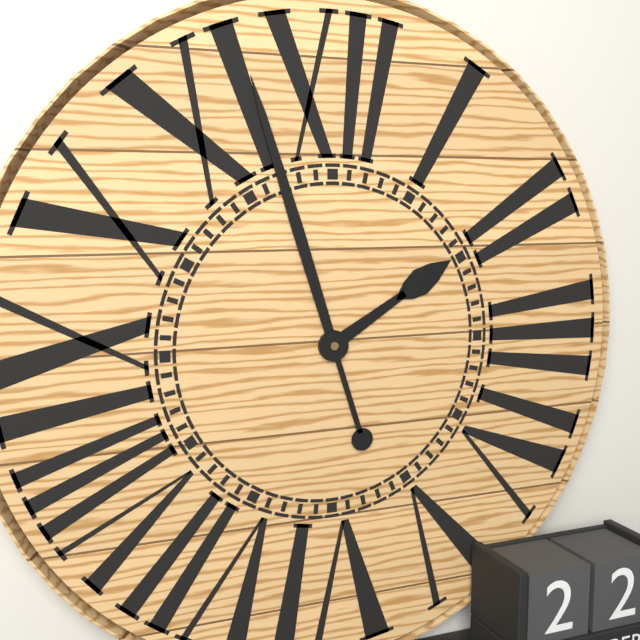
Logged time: 1,57
